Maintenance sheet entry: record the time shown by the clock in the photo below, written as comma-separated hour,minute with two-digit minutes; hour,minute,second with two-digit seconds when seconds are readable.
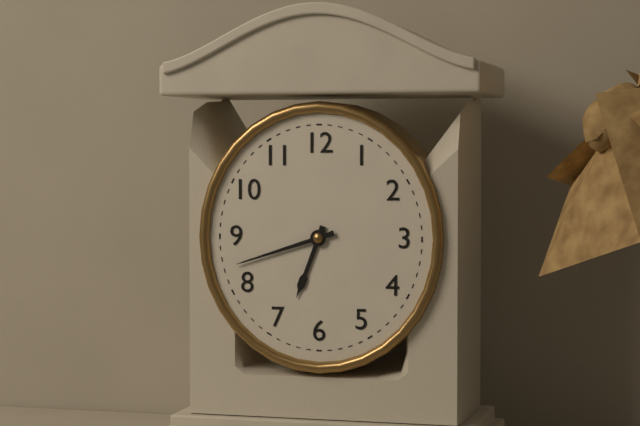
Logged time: 6,42
